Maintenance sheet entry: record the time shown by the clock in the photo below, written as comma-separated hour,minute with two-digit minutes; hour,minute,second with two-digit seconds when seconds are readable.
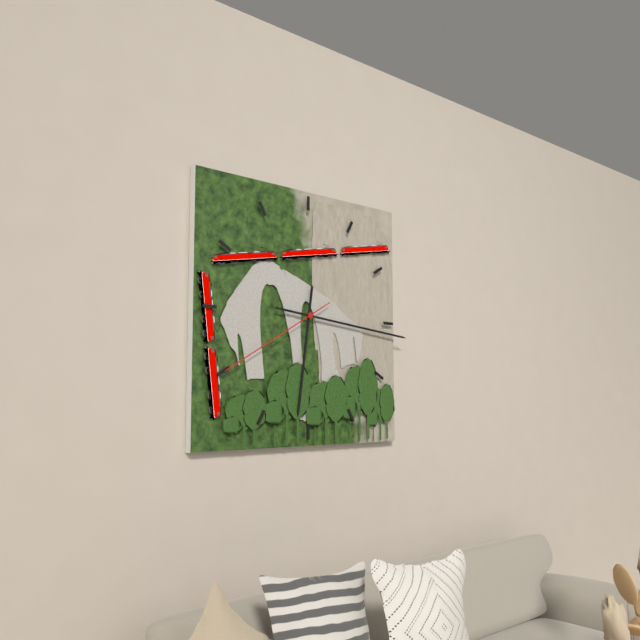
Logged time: 6,16,40
